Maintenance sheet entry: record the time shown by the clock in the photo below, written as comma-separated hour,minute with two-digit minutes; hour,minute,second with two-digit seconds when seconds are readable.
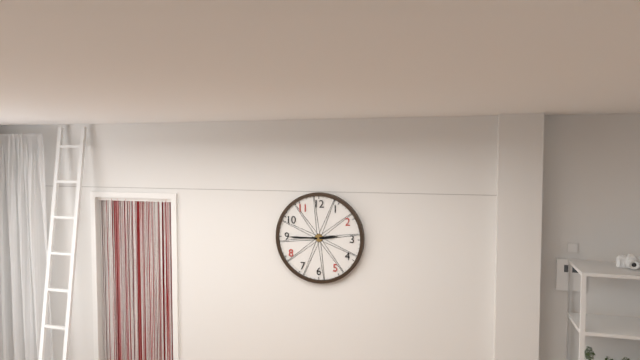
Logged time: 2,45
